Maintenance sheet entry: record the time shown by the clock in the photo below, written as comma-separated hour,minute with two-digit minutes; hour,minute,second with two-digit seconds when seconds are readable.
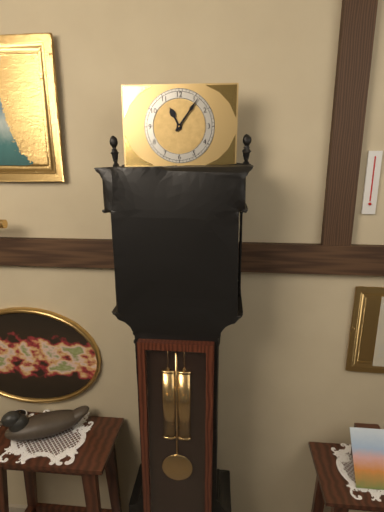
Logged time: 11,06
